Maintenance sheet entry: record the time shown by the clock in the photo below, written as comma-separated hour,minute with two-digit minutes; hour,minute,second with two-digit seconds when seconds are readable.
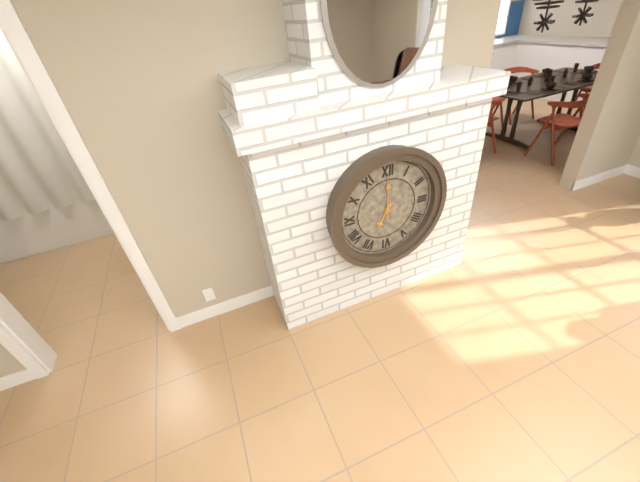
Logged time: 7,00
